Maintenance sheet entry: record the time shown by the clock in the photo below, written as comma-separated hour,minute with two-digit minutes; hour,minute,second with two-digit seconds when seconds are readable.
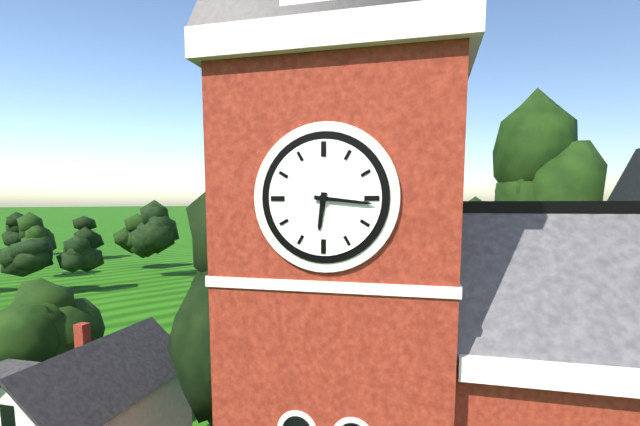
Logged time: 6,16
